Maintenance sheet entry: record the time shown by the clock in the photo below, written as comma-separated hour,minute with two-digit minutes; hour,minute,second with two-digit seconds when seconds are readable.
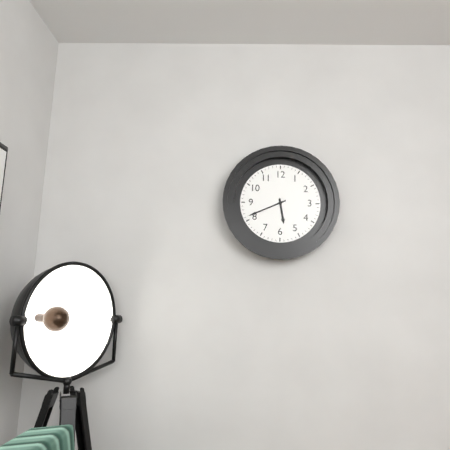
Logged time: 5,41
